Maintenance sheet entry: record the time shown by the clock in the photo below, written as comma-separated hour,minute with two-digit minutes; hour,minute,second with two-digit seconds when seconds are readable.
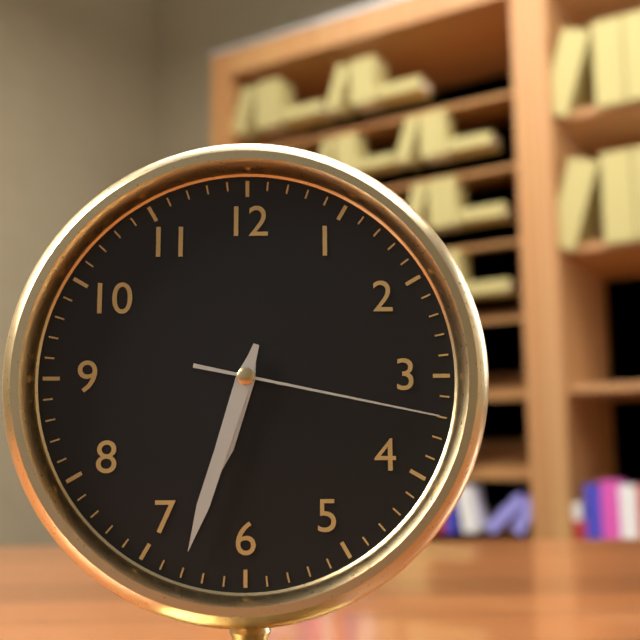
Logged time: 6,33,17
